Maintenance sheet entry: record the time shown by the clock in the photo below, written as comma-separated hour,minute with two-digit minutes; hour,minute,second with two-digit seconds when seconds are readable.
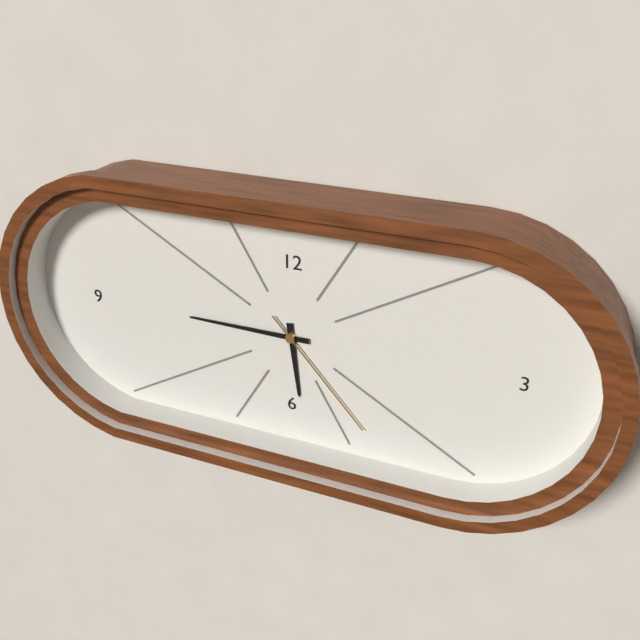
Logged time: 5,45,23
